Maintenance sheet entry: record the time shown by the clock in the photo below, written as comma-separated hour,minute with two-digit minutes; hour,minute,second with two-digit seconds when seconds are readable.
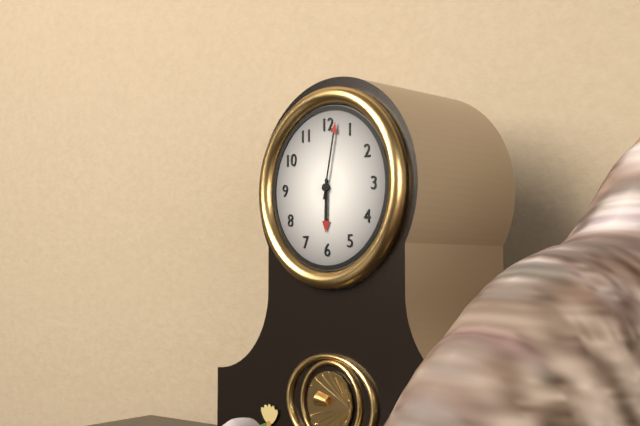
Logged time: 6,02
